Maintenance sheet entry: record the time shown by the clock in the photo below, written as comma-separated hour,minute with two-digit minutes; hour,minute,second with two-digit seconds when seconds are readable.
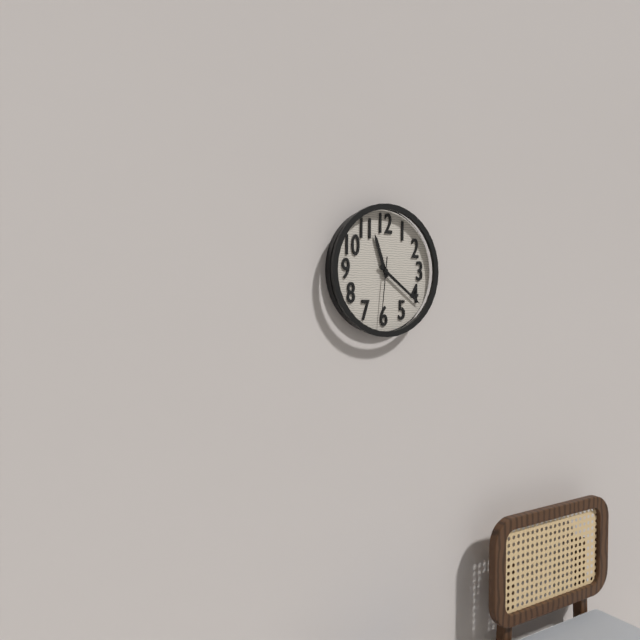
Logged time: 11,21,31
